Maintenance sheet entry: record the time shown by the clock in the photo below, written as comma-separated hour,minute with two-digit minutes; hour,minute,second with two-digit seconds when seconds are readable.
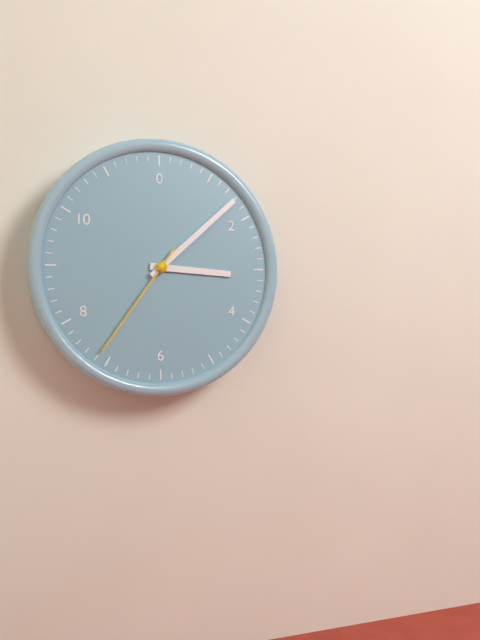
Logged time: 3,08,36
